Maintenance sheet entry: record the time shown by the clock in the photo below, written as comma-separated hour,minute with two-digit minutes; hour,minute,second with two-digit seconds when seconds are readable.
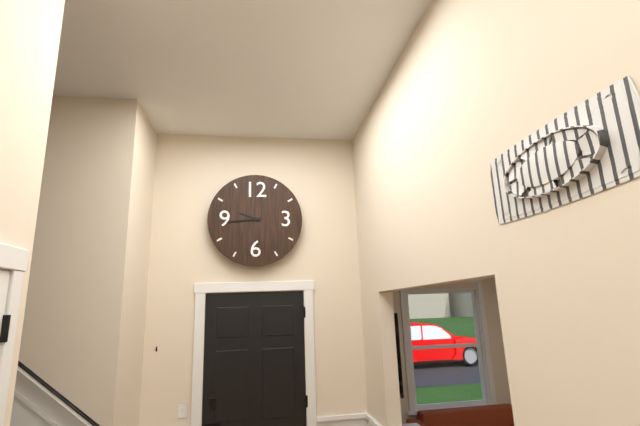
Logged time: 9,44
